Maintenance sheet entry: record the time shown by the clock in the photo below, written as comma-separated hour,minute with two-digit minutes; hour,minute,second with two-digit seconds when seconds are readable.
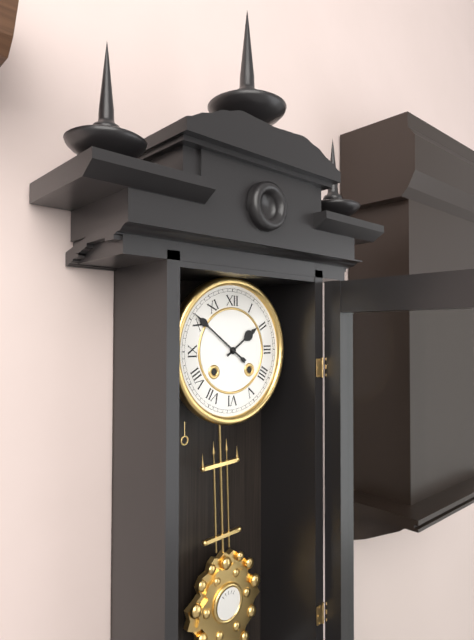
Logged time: 1,51
